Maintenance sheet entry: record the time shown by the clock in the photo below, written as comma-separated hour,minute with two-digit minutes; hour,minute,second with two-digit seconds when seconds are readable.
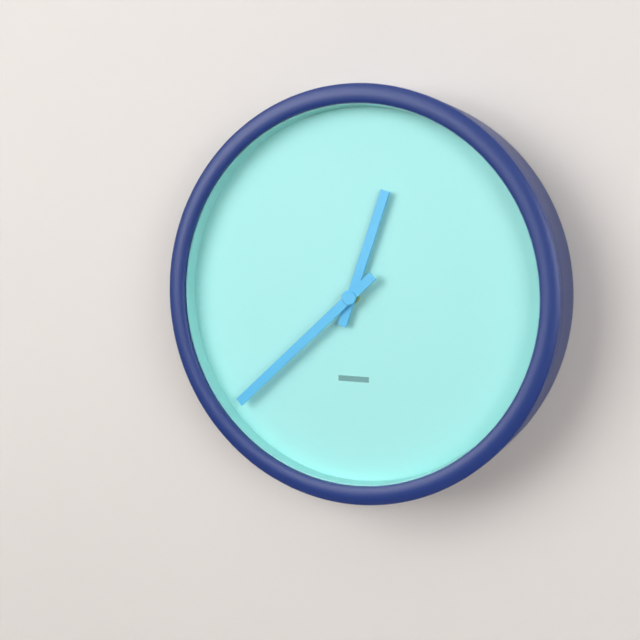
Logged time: 12,38
